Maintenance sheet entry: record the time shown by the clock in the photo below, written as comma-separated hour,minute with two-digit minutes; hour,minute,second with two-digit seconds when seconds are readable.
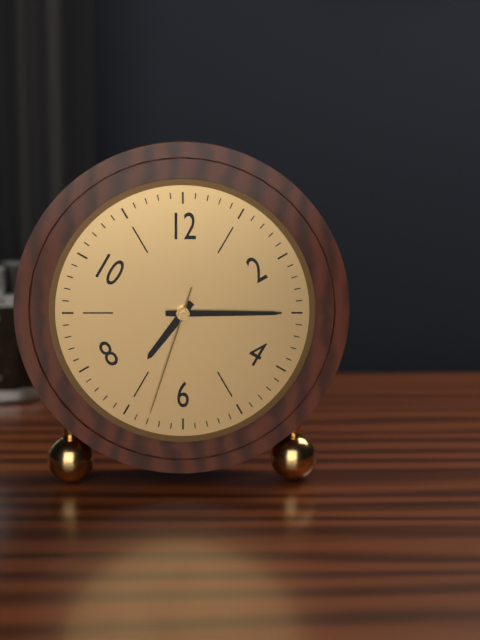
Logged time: 7,15,33
